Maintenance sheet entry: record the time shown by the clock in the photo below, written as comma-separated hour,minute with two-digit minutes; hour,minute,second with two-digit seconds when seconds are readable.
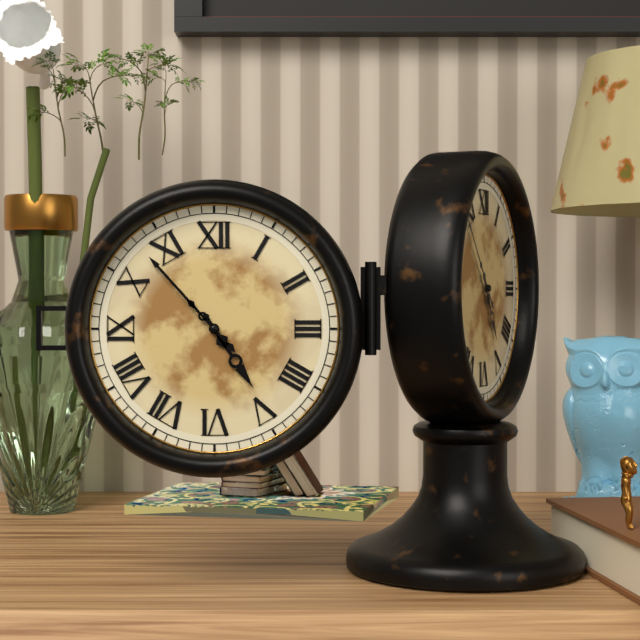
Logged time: 4,53
